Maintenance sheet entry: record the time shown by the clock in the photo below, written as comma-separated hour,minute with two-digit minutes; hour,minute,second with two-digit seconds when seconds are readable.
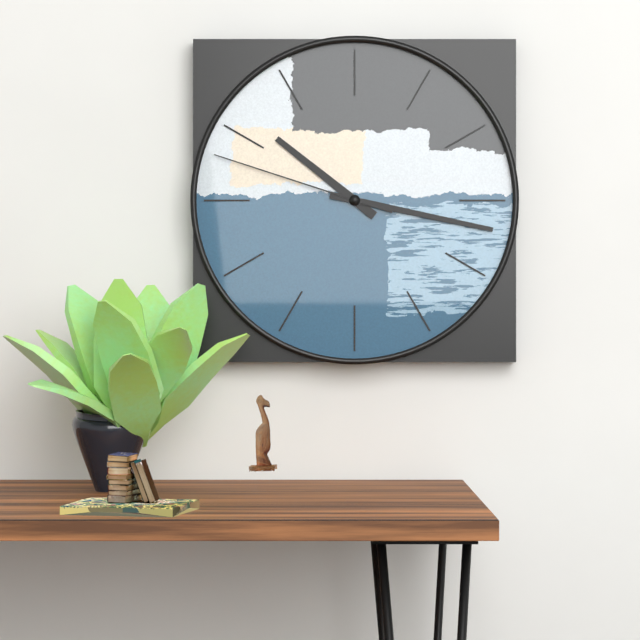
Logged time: 10,17,48
